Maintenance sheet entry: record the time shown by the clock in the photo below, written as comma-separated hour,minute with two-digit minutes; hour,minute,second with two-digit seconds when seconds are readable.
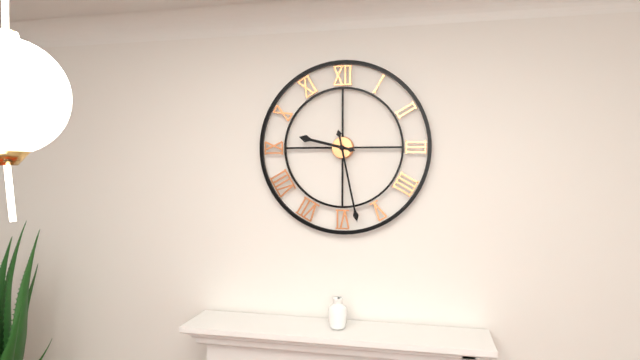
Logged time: 9,28
